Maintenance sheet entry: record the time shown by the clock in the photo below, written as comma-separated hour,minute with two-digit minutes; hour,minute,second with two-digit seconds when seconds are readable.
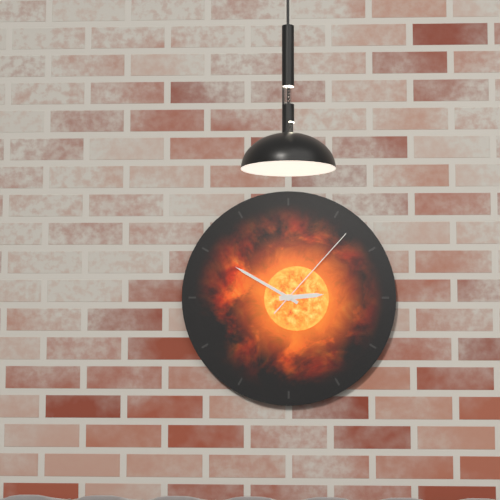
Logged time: 2,50,07
